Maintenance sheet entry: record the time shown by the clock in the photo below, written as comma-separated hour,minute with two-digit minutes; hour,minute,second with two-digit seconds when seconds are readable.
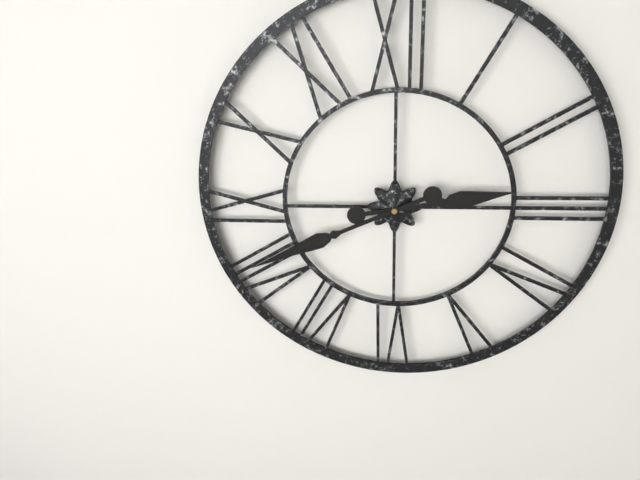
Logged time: 2,41
